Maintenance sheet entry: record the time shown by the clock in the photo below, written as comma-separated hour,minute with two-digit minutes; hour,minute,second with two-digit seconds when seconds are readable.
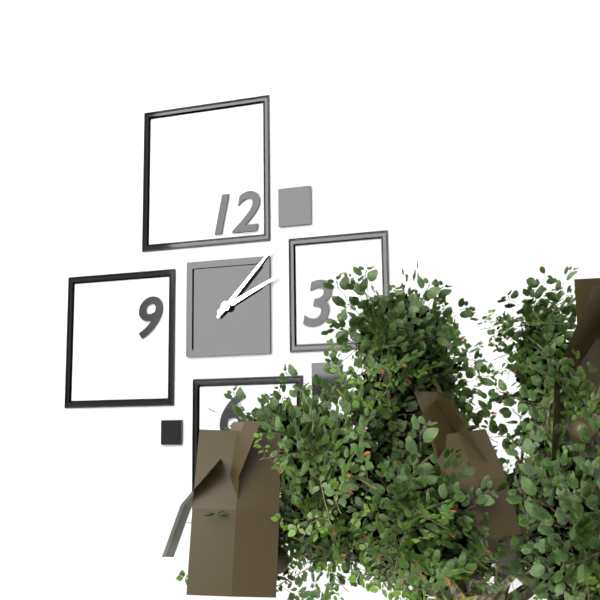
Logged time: 2,07
